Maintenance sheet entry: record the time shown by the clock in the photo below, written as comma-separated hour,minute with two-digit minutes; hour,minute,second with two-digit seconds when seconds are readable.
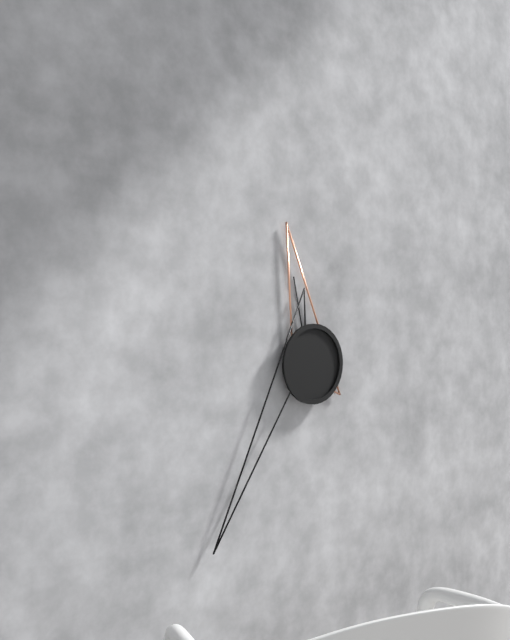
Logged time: 11,36,58
